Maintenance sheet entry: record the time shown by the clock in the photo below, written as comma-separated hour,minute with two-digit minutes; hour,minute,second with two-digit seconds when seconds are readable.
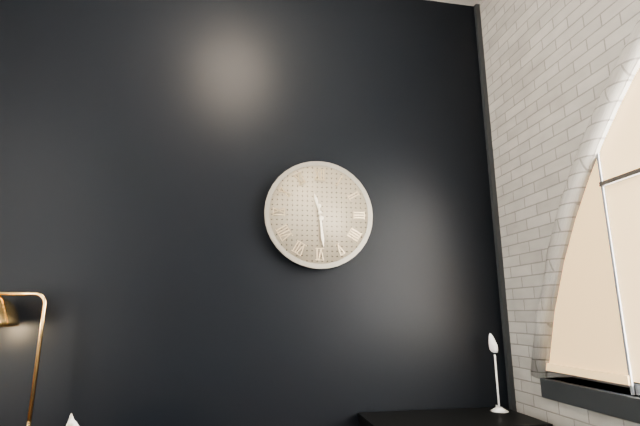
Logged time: 11,29
